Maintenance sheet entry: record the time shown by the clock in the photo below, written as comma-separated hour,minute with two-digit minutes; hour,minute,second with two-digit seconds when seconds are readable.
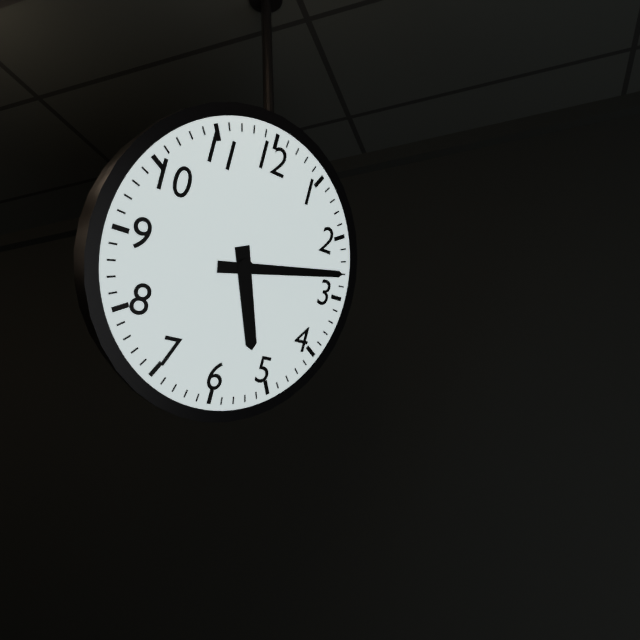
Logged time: 5,13
